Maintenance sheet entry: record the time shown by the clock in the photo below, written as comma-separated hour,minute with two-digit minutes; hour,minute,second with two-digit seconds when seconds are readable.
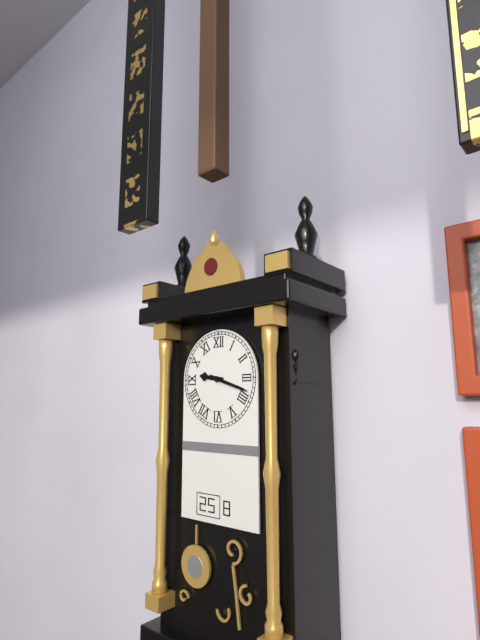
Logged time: 9,18
